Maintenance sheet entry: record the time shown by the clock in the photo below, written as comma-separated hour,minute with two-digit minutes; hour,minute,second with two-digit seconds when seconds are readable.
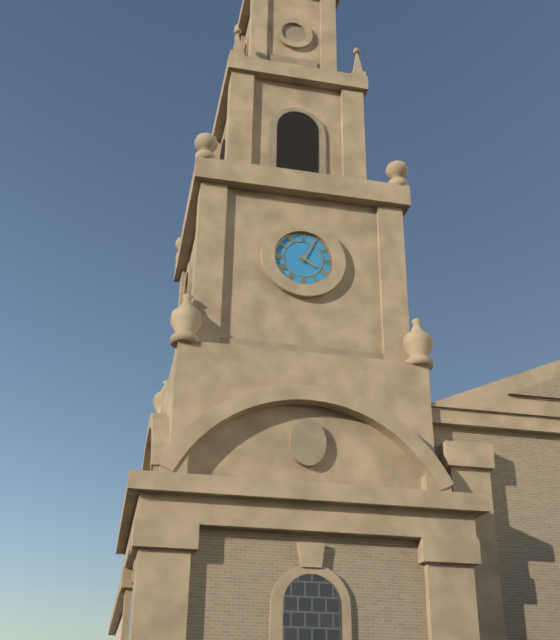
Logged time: 4,04
